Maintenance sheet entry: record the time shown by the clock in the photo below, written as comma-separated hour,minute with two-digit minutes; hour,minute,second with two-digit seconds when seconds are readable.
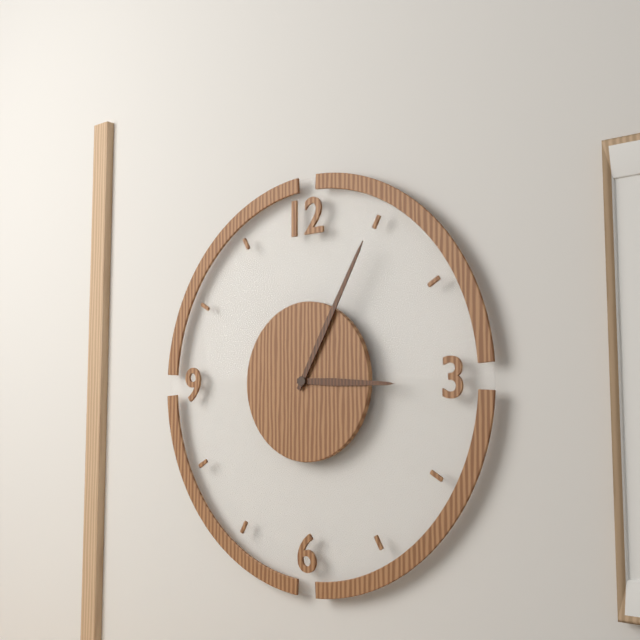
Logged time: 3,05
